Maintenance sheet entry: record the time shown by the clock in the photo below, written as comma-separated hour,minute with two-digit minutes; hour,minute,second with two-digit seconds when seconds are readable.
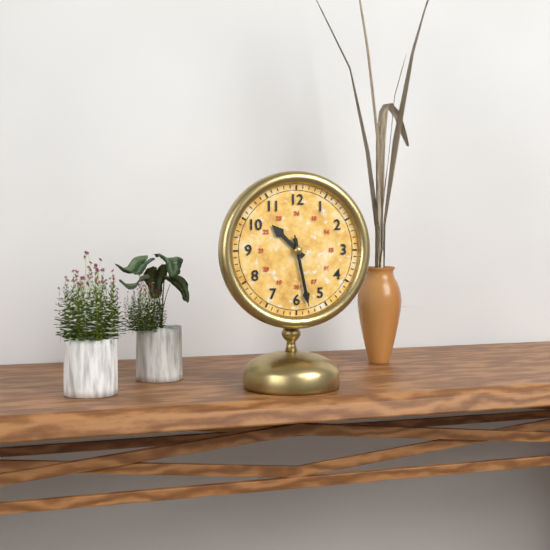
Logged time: 10,28,28
